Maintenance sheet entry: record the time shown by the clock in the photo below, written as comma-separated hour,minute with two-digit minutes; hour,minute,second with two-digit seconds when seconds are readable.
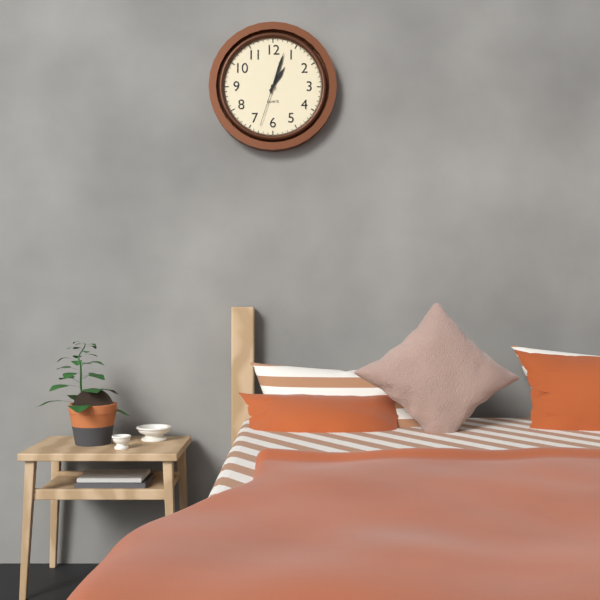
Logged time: 1,03,33
